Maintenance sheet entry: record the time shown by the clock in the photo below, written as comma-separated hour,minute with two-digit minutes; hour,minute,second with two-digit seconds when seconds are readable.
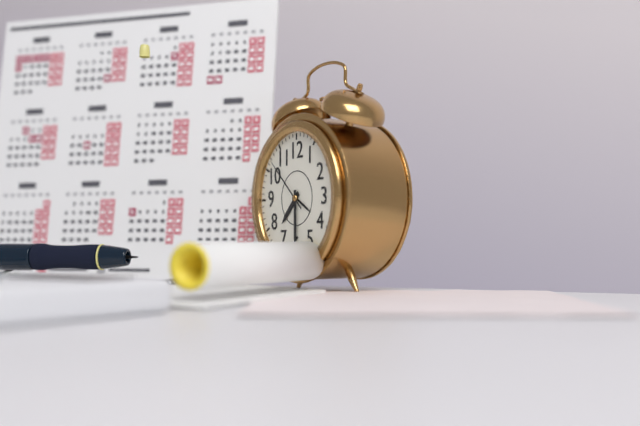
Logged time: 7,30,52
